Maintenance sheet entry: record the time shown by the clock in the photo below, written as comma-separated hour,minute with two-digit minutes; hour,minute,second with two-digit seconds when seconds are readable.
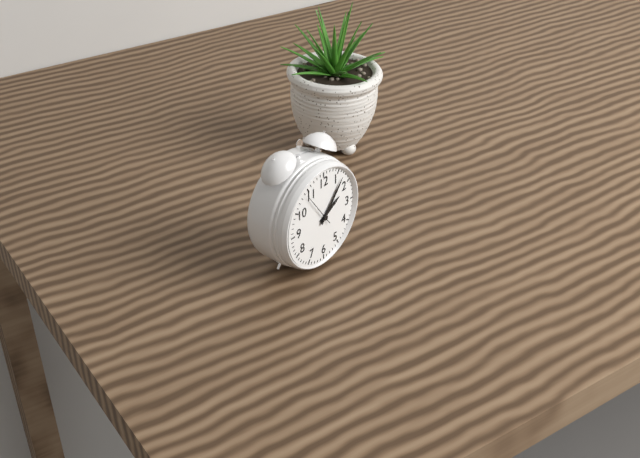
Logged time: 2,07
